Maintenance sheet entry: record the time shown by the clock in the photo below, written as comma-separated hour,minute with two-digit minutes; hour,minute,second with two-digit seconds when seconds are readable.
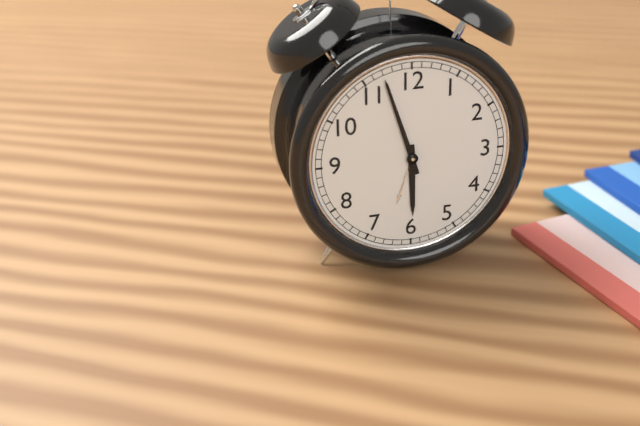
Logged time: 5,57
